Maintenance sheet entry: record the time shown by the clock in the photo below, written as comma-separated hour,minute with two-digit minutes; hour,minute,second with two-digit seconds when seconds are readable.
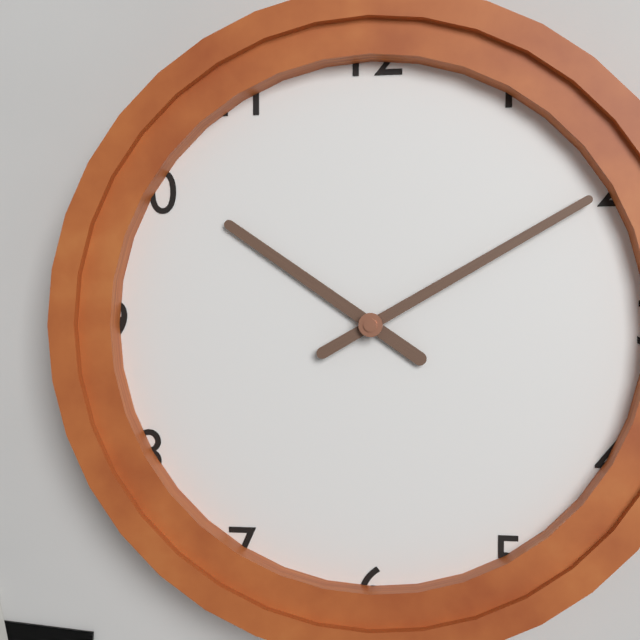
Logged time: 10,10
